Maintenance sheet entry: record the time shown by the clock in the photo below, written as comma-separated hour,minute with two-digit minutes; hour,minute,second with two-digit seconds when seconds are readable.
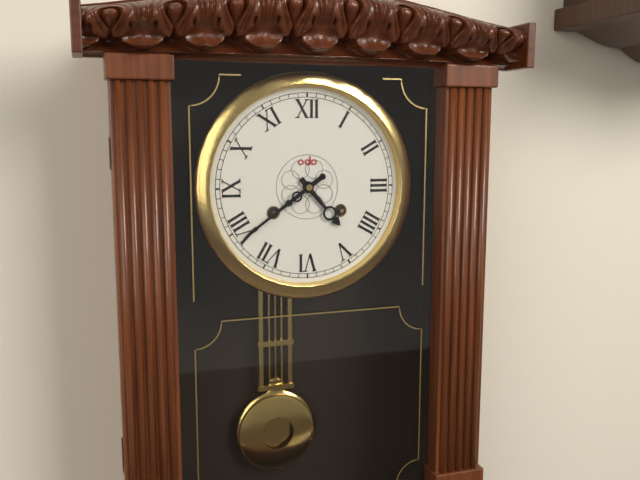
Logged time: 4,39
